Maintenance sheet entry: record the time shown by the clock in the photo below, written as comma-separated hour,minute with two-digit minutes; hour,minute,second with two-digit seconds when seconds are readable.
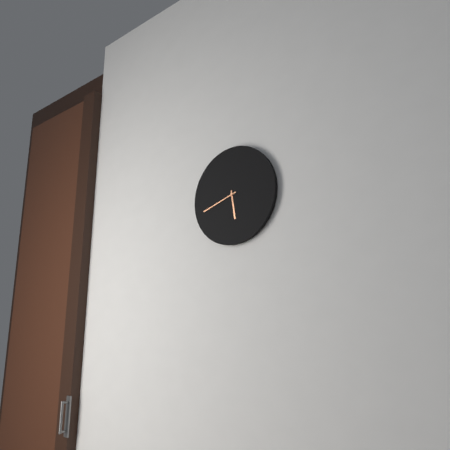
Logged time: 5,42
